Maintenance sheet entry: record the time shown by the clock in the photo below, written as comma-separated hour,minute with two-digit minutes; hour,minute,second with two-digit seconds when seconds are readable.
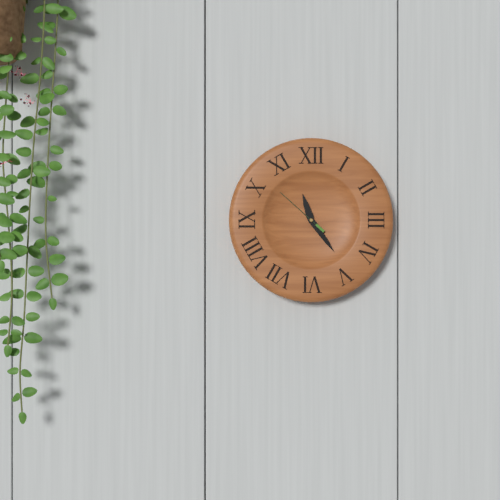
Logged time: 11,24,52
